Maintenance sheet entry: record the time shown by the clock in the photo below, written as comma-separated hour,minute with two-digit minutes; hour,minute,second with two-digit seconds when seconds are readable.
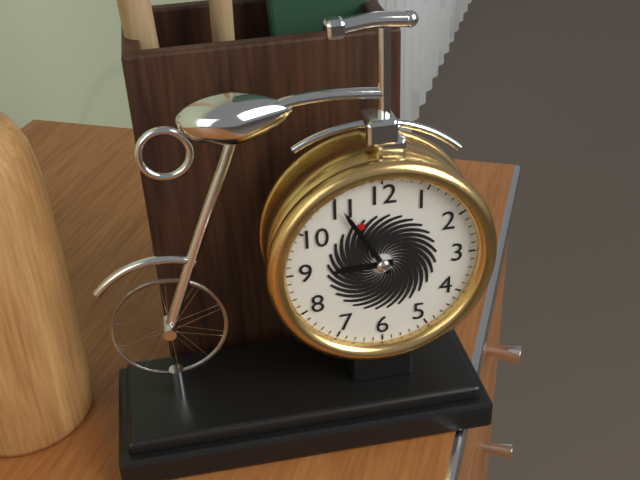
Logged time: 8,55
